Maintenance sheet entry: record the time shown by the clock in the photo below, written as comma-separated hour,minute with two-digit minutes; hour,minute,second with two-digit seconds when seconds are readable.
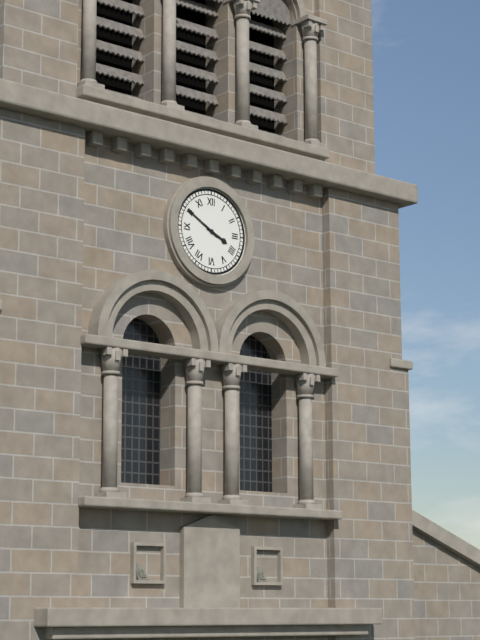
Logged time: 3,50
